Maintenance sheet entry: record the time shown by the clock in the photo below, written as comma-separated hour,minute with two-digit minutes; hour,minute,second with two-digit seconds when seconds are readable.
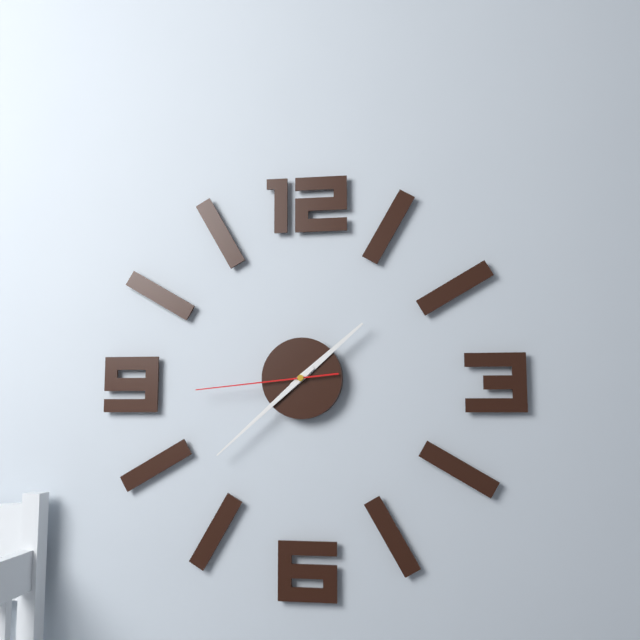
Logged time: 1,38,44
